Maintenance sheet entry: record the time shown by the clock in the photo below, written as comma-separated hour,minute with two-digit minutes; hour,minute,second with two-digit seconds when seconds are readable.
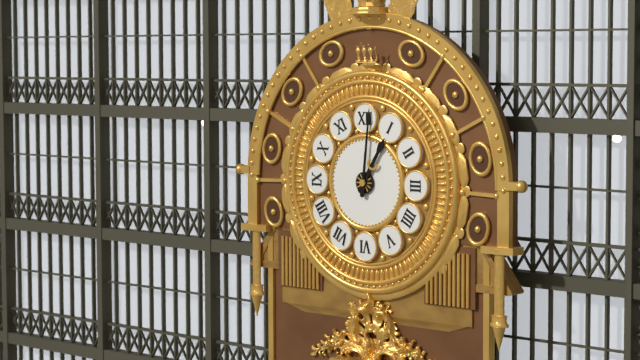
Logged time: 1,01
